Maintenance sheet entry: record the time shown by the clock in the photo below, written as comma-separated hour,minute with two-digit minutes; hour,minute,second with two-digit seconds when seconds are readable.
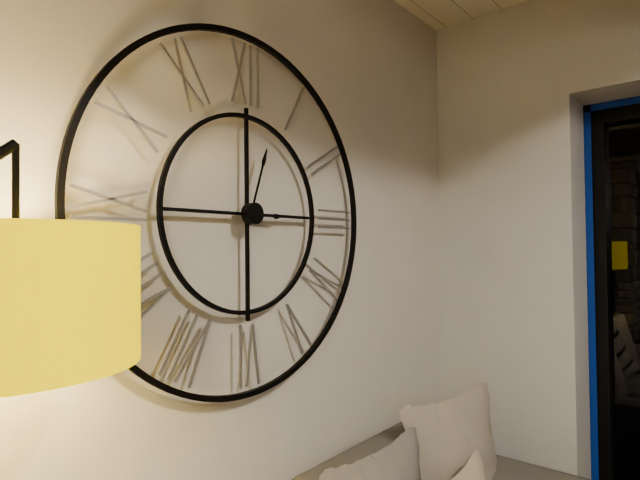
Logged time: 3,03
